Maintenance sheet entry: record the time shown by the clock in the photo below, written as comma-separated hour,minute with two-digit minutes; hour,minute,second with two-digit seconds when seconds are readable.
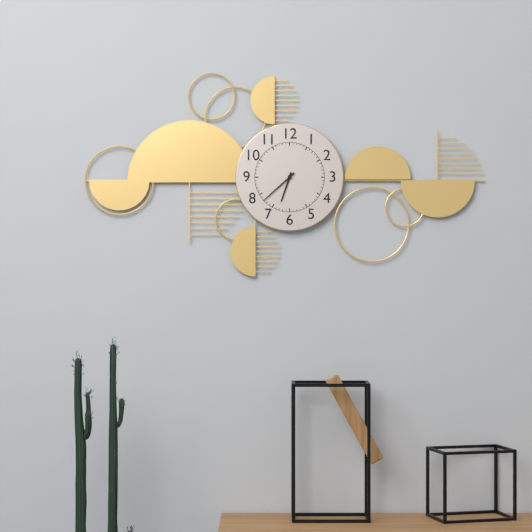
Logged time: 6,38
